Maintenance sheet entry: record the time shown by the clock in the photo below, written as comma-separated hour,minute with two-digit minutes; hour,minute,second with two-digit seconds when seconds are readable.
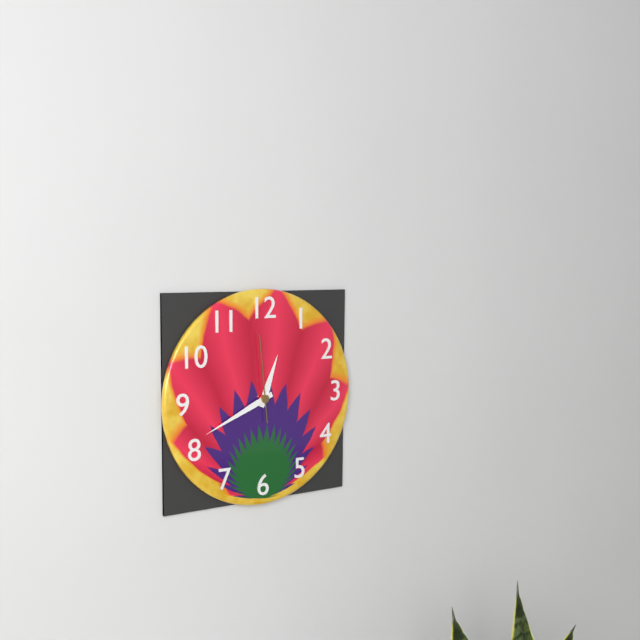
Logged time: 12,41,59
